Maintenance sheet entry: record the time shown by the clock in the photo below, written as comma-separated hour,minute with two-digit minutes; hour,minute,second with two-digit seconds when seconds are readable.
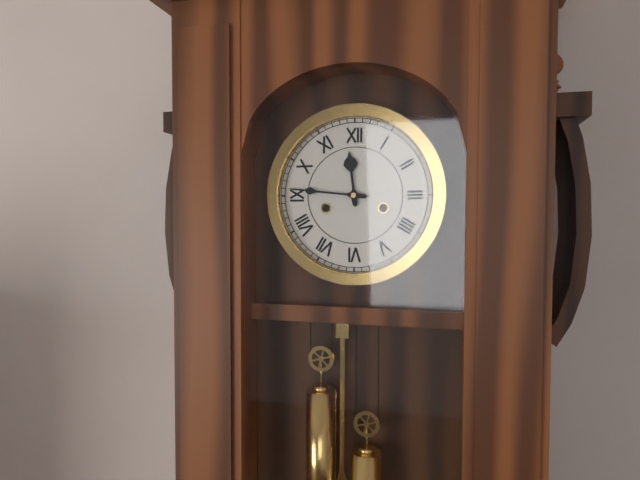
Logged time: 11,46
